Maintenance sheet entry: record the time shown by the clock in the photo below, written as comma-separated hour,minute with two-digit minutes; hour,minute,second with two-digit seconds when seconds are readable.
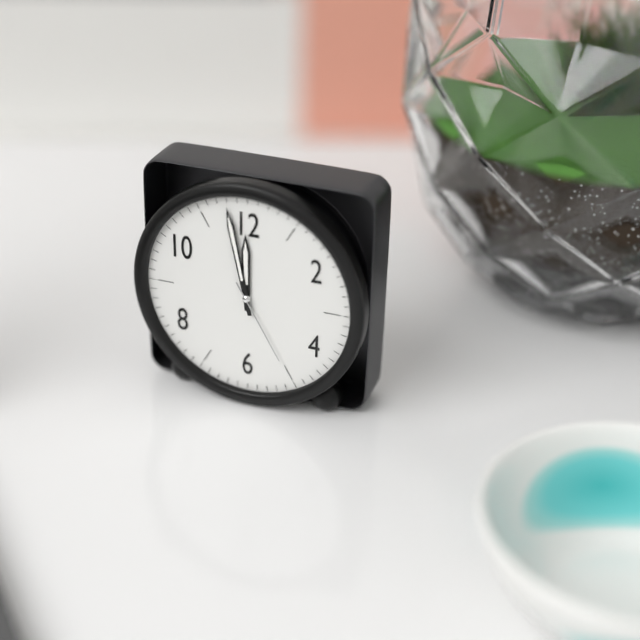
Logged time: 11,58,25
